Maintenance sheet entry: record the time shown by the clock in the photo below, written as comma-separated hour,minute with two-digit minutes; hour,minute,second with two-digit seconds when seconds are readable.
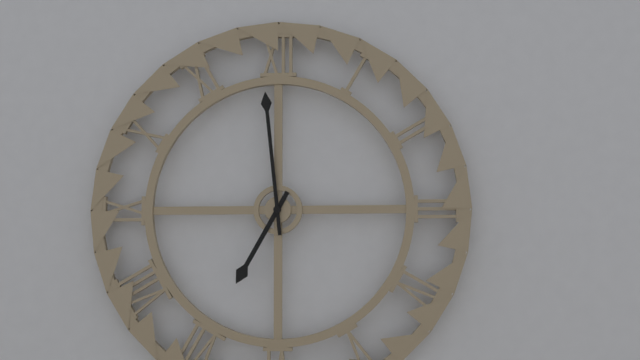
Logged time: 6,59
